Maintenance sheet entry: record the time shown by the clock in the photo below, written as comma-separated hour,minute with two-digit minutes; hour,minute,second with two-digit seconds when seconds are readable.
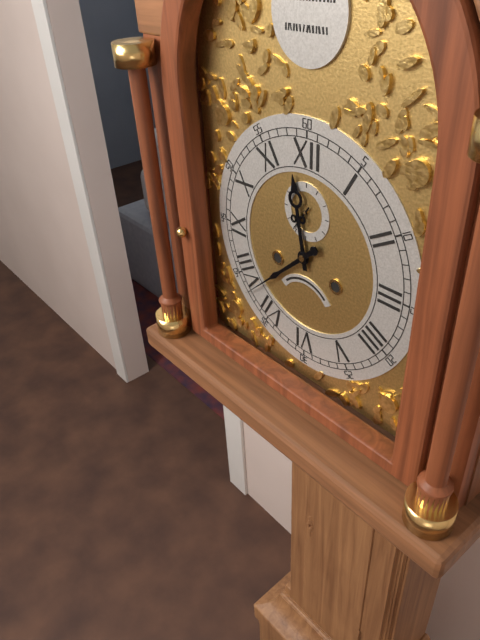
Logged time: 11,38
